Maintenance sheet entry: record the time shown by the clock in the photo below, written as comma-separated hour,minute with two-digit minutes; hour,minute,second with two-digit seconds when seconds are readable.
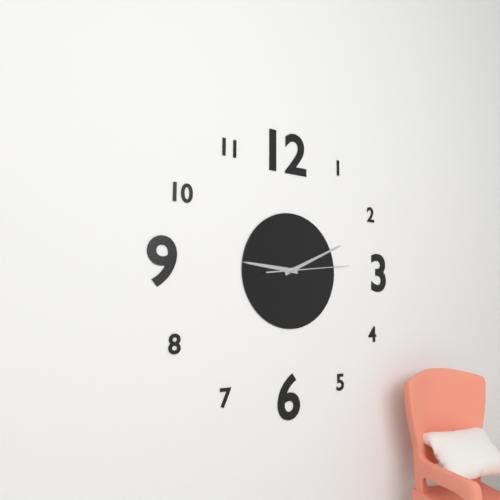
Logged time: 9,11,14
